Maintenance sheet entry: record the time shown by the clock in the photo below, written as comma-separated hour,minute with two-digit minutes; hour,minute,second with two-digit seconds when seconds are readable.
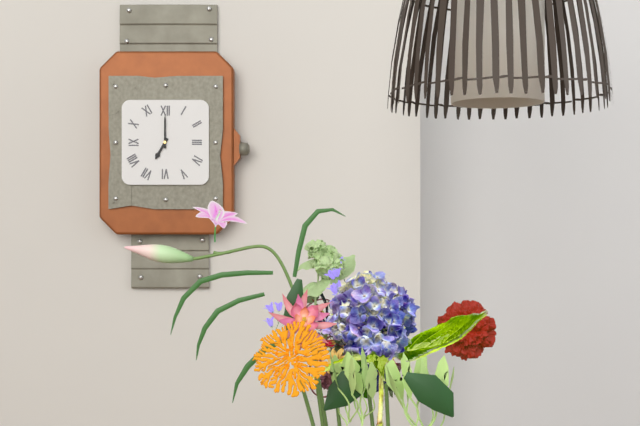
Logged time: 7,00
